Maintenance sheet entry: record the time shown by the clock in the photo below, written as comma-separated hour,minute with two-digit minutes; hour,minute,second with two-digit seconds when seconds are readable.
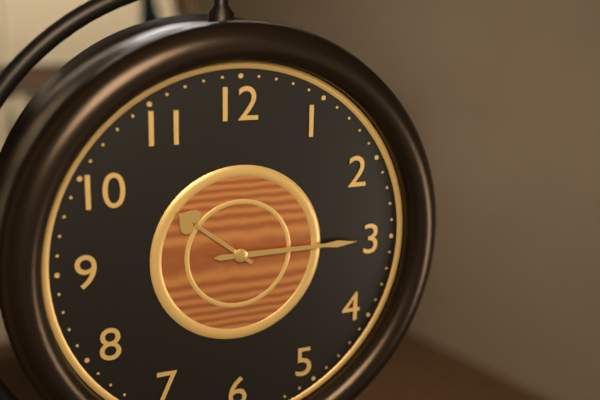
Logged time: 10,15
